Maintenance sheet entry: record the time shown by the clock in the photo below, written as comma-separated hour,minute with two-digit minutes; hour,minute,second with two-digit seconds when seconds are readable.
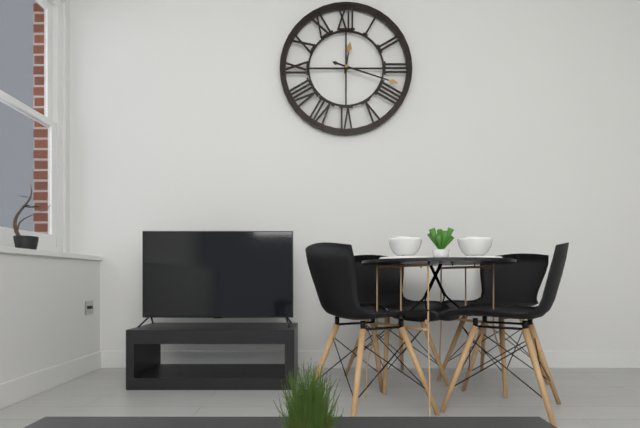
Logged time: 12,18
